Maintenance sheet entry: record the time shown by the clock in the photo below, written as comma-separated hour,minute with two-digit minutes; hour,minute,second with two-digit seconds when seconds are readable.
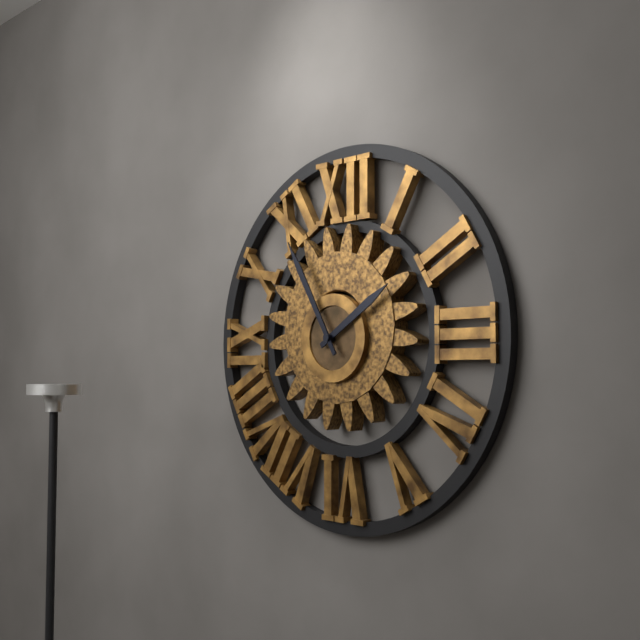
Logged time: 1,55
